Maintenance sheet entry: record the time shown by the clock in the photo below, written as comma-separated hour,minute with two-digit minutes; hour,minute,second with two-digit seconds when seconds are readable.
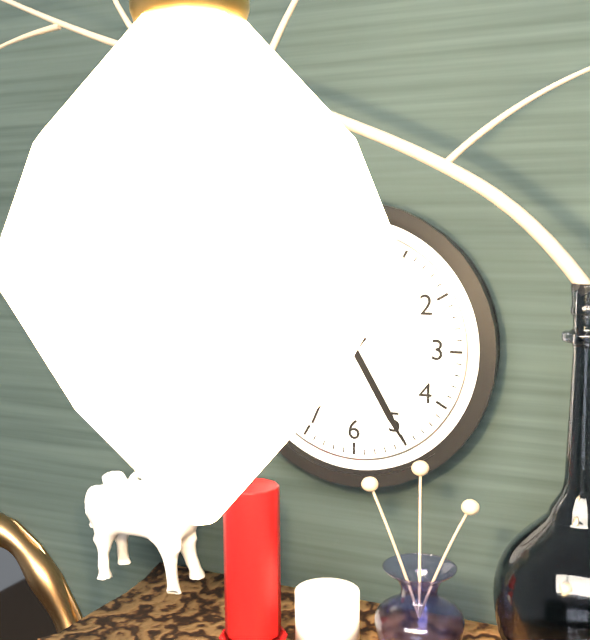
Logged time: 7,25
